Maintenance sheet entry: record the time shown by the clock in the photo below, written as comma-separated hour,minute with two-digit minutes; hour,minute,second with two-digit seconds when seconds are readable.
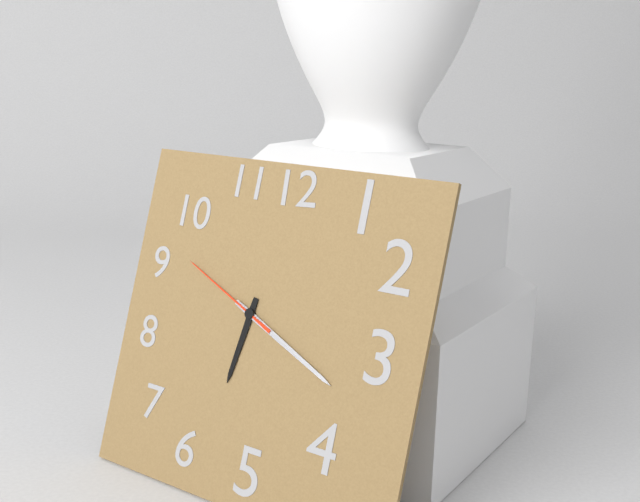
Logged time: 6,19,49
